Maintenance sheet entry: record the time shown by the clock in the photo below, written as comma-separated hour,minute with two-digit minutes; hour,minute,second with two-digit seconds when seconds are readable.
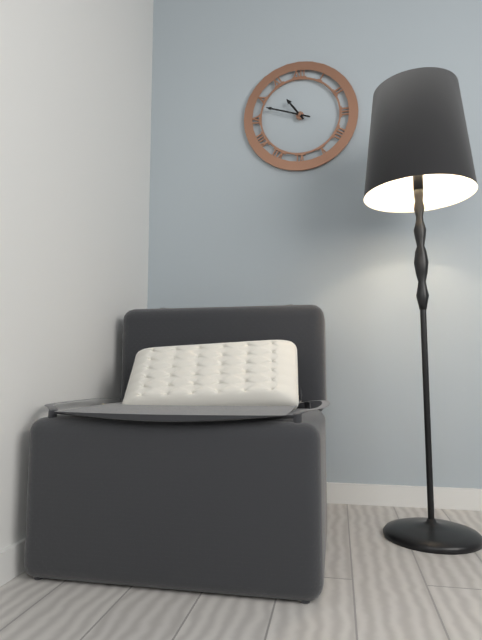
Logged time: 10,48
